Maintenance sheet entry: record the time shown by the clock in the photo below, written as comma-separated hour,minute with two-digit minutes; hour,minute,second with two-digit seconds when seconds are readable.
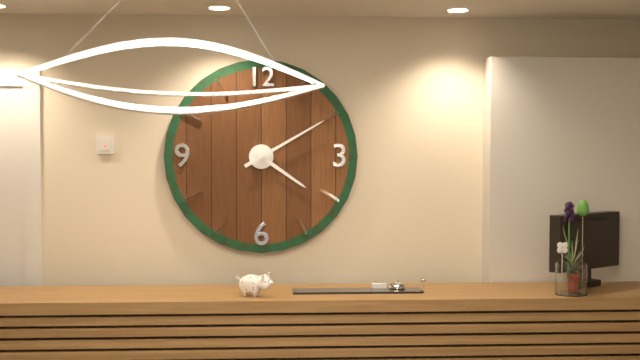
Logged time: 4,10
